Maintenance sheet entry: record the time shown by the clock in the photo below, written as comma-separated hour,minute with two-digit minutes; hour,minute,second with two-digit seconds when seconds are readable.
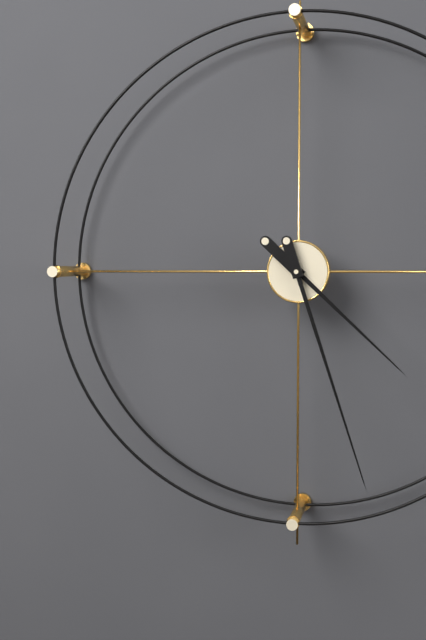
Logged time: 4,27
